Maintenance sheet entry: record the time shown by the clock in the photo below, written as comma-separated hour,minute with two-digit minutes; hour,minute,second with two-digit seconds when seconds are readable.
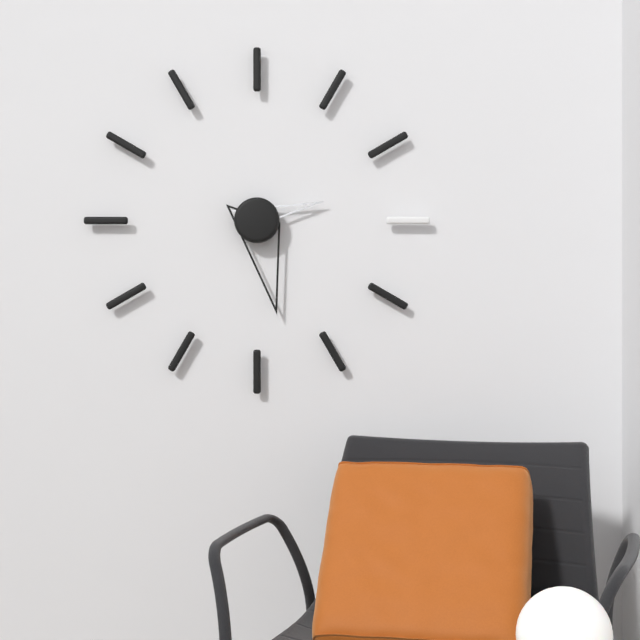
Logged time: 2,28
